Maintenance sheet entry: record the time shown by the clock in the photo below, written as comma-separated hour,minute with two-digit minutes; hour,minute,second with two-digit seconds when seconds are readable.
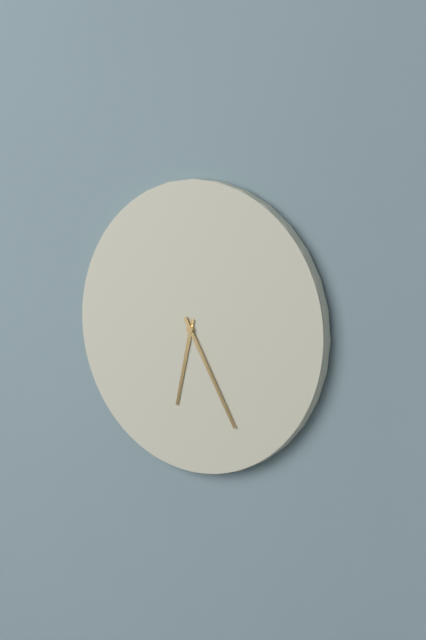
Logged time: 6,25
